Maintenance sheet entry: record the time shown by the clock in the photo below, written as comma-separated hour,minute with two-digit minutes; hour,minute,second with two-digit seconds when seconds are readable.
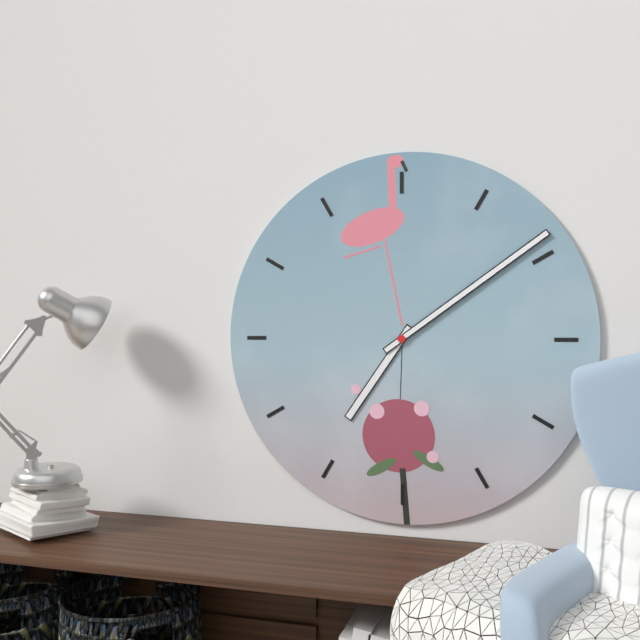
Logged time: 7,09
